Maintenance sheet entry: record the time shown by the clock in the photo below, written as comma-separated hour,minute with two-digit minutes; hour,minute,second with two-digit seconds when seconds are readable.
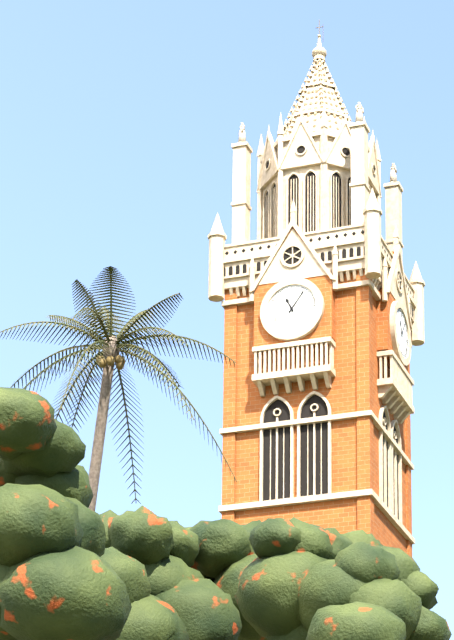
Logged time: 11,06
